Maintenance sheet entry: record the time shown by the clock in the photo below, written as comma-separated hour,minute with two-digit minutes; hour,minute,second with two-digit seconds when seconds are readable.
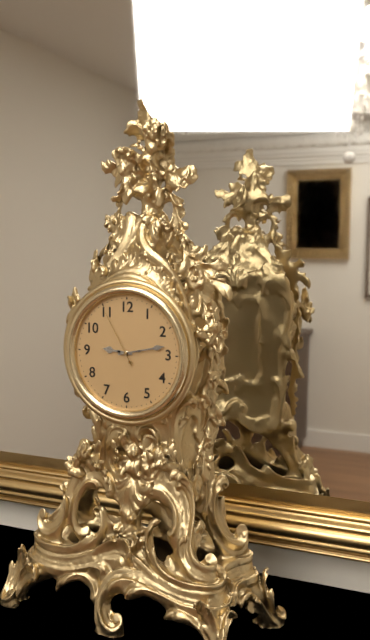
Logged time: 9,13,55
